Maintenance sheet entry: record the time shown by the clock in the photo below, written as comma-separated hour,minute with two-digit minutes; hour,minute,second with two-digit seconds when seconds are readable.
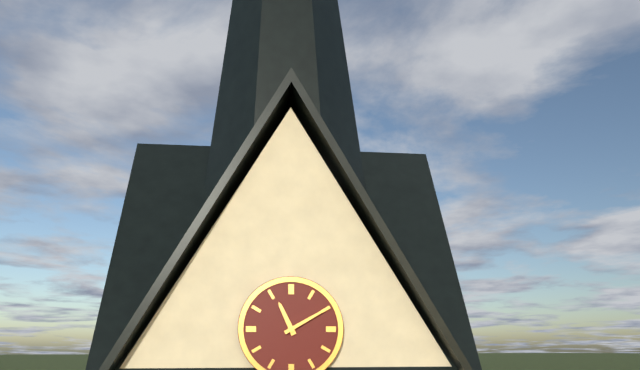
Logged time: 11,10
